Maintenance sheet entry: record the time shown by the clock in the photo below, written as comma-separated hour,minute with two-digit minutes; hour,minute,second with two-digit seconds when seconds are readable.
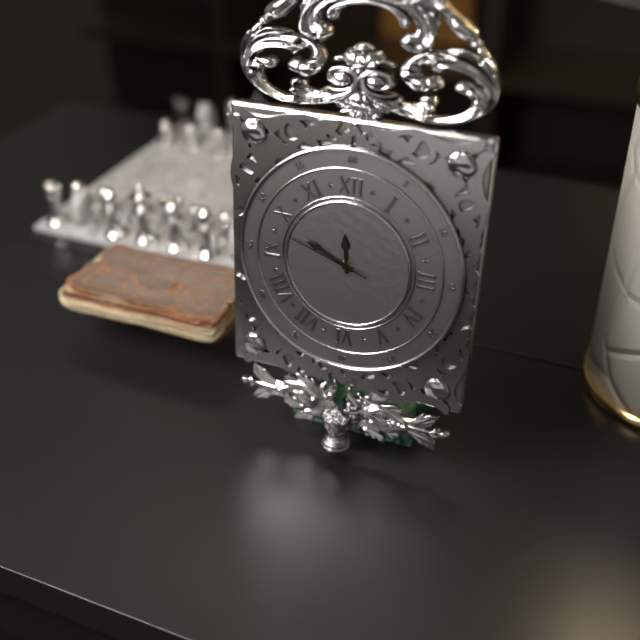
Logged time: 11,49,48
